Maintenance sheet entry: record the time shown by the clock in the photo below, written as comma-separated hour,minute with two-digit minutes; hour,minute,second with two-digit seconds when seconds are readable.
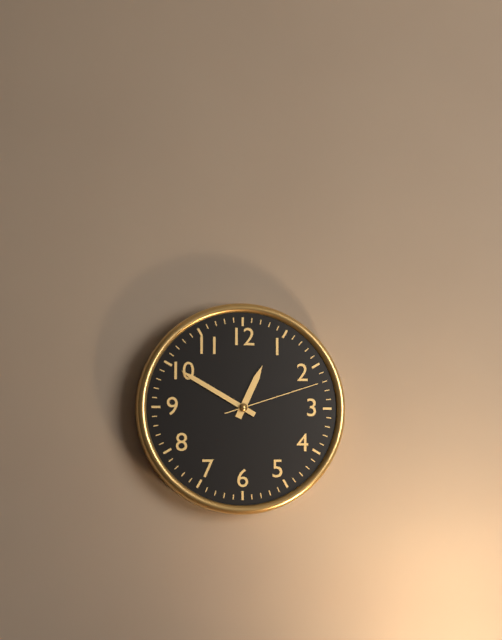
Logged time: 12,50,12
